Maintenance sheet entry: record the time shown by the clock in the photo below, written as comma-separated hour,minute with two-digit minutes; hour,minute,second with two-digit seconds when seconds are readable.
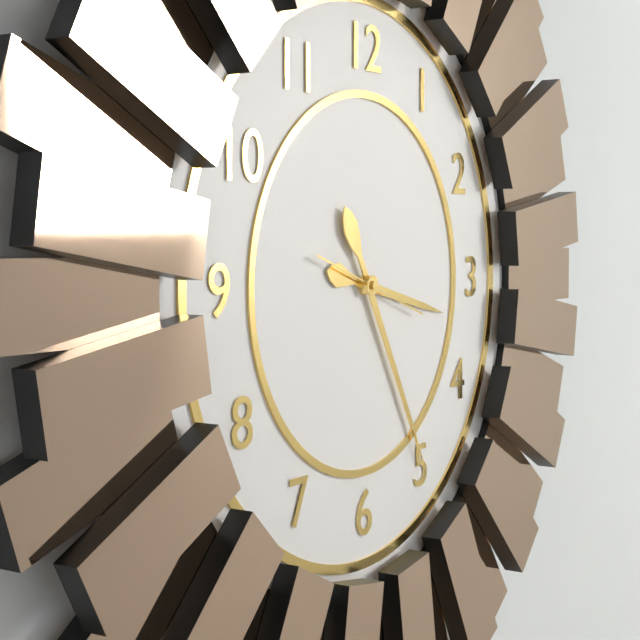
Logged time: 3,25,18
